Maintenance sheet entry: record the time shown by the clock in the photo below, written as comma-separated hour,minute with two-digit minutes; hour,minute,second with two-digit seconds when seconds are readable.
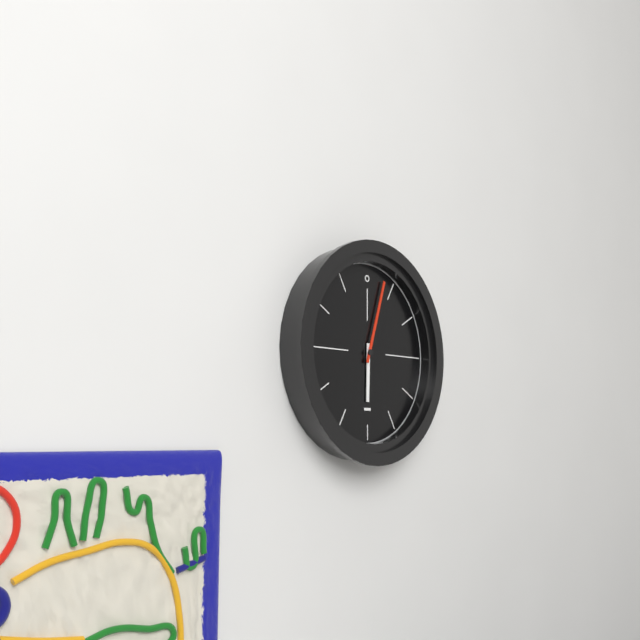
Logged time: 6,03
